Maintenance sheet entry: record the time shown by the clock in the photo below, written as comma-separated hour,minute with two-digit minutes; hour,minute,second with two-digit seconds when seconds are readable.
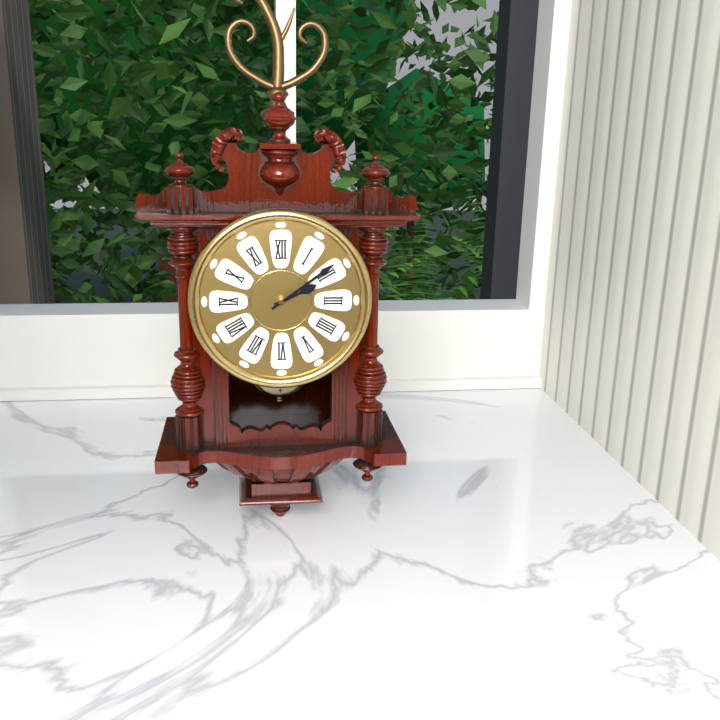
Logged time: 2,09
